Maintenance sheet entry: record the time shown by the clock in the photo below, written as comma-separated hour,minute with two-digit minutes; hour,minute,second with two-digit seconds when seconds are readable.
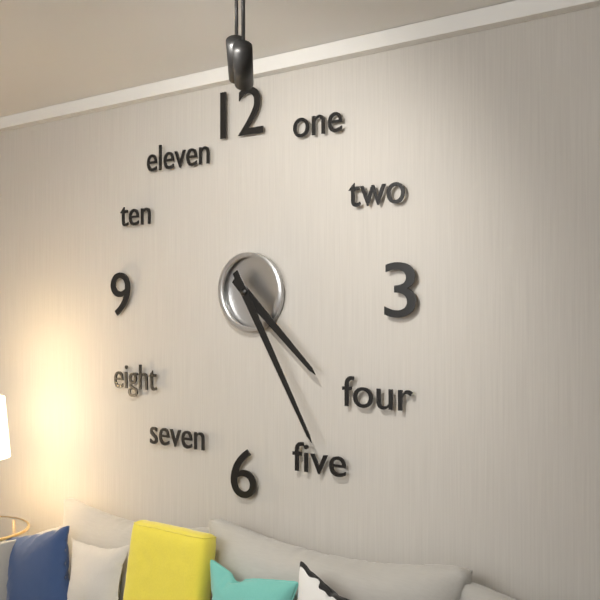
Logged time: 4,25
